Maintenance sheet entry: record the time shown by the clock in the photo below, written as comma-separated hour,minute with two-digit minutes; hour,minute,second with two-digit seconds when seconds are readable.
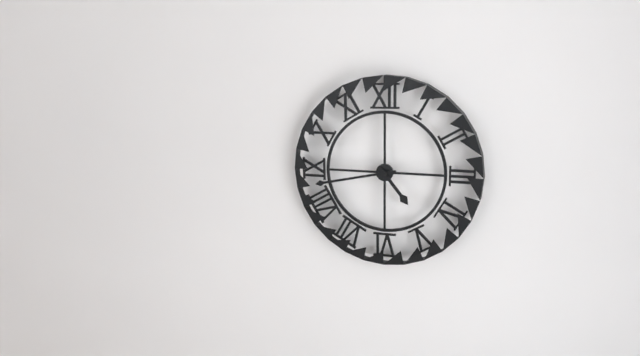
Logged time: 4,43
